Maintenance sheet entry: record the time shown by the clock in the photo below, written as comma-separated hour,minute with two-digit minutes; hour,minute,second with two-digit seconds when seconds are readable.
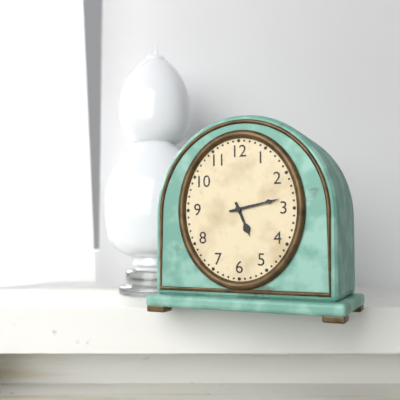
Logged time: 5,13
